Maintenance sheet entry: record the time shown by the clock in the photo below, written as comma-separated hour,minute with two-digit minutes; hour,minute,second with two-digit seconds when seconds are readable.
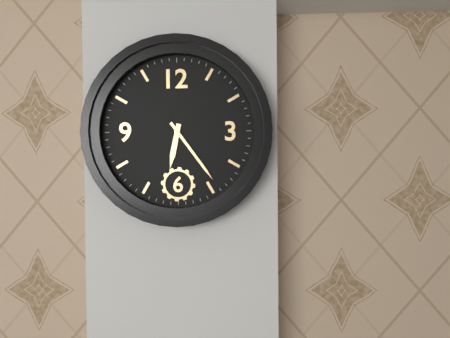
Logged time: 6,24
